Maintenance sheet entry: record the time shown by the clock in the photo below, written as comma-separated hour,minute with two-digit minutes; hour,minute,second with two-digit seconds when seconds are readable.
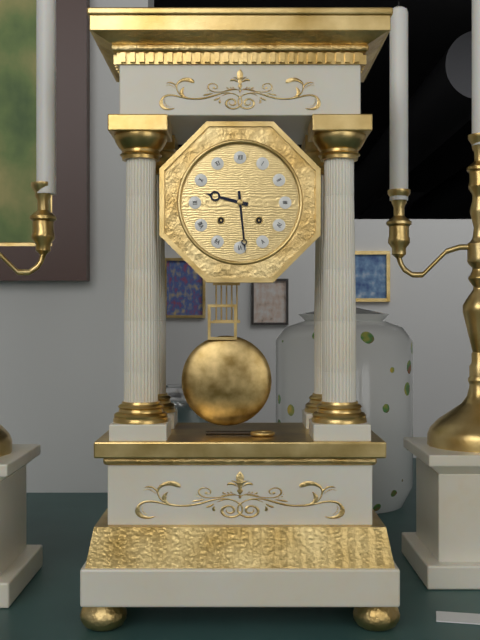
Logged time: 9,29
